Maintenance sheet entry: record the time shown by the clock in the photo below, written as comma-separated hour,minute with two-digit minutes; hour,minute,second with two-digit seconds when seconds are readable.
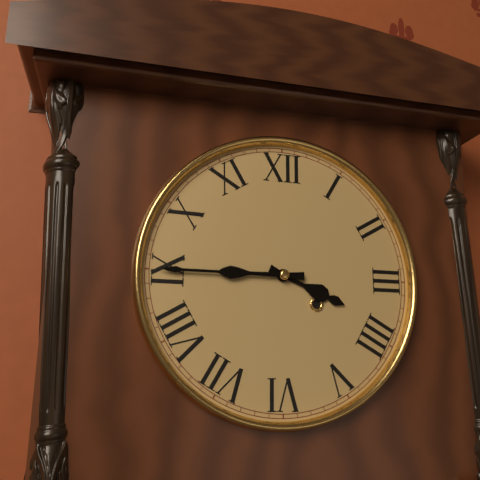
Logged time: 3,45
